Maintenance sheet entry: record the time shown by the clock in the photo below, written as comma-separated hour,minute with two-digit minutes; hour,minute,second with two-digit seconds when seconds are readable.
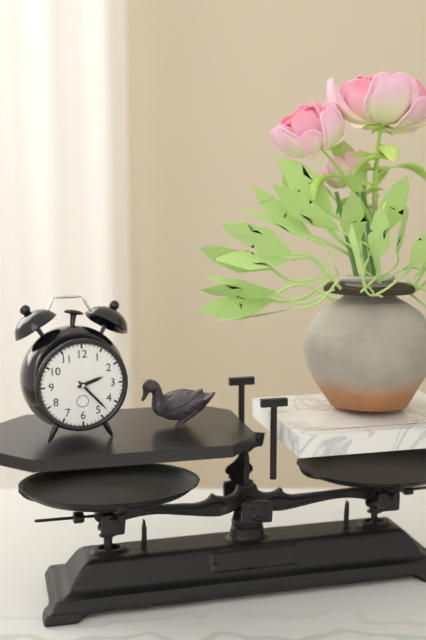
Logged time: 2,23
